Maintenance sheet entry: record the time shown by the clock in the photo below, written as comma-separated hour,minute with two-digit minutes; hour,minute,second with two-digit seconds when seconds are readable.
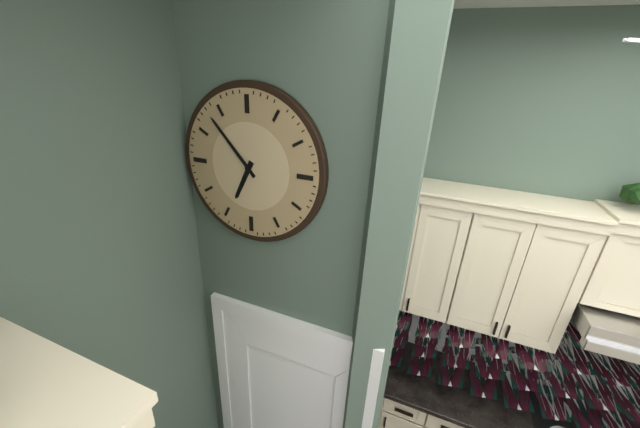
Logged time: 6,53
